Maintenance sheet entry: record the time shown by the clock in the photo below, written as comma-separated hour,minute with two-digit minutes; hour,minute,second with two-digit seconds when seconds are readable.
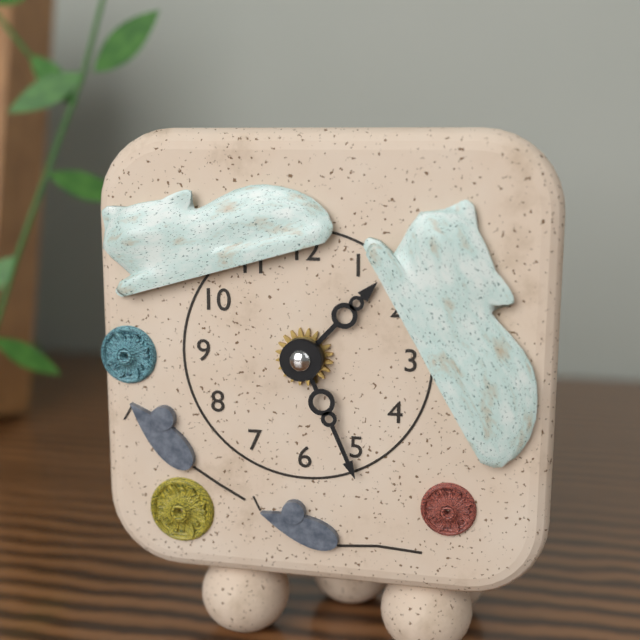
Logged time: 1,26
